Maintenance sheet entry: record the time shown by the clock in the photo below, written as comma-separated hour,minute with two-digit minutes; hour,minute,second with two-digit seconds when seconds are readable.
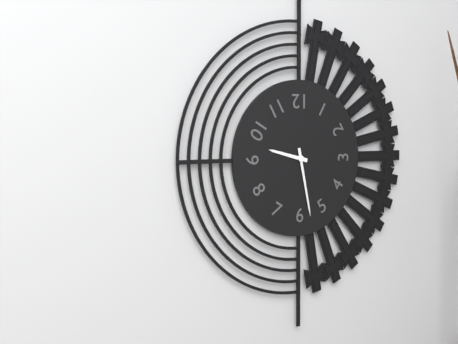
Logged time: 9,28
